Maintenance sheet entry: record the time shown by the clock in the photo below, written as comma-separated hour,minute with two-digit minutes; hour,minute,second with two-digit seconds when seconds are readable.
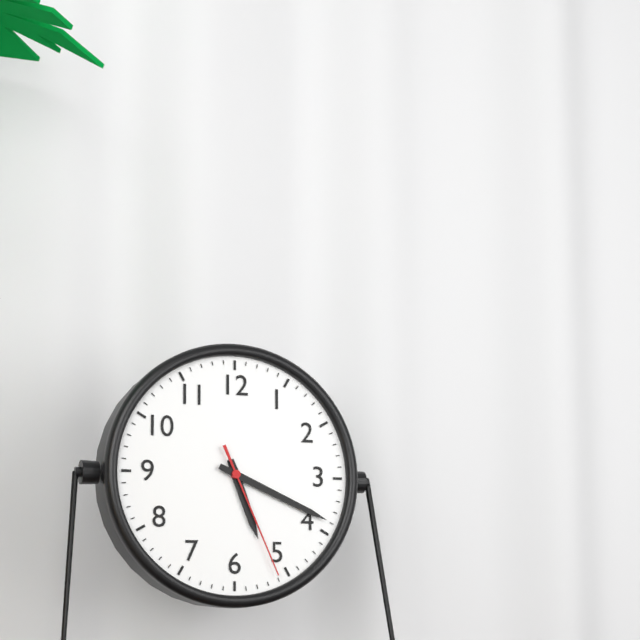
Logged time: 5,19,26
